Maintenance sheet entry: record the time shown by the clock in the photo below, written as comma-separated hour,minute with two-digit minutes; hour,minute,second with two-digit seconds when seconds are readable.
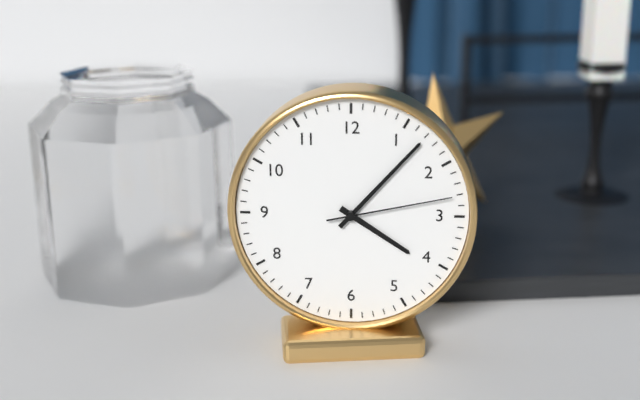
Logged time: 4,07,13
